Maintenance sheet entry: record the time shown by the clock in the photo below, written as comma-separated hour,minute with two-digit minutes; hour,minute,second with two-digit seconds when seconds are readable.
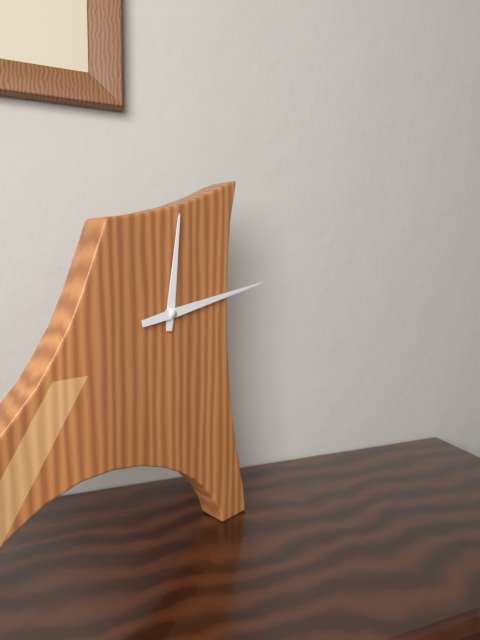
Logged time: 12,13
